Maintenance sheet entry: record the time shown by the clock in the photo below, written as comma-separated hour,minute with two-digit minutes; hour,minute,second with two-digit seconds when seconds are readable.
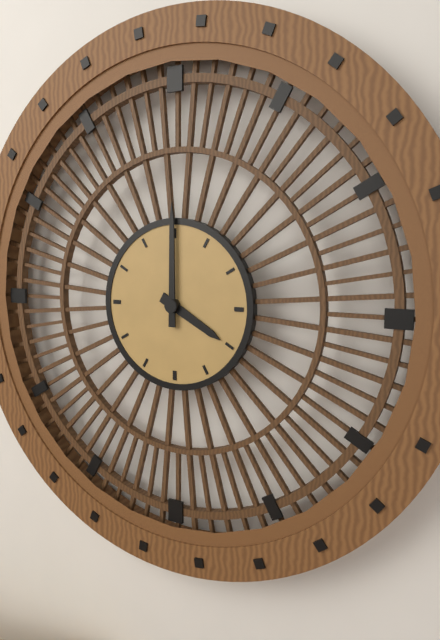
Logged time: 4,00
